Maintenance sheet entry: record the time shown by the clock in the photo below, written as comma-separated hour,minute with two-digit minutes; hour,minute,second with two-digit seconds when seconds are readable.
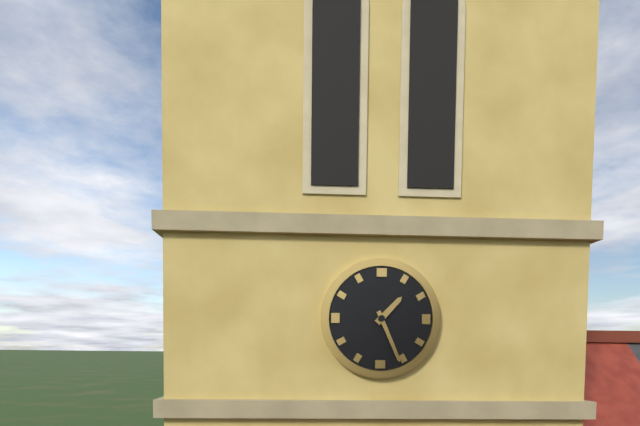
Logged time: 1,26
